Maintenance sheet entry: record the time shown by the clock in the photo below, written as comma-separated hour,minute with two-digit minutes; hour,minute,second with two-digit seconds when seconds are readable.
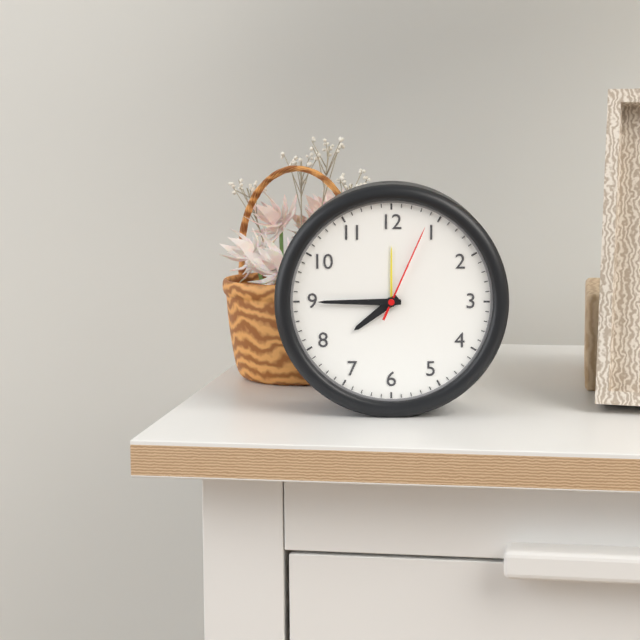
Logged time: 7,45,04
